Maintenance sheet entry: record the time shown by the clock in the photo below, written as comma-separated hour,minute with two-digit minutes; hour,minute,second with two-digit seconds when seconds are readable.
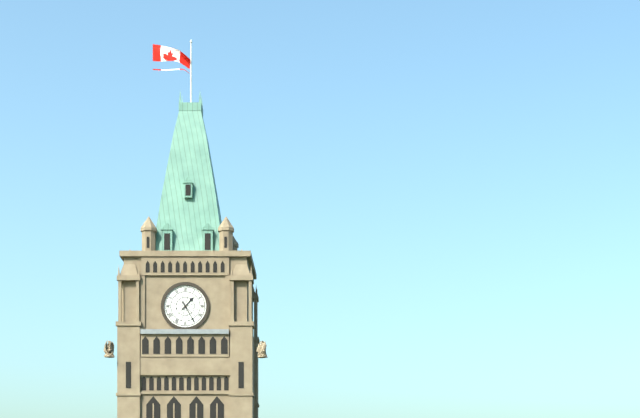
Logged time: 1,25
